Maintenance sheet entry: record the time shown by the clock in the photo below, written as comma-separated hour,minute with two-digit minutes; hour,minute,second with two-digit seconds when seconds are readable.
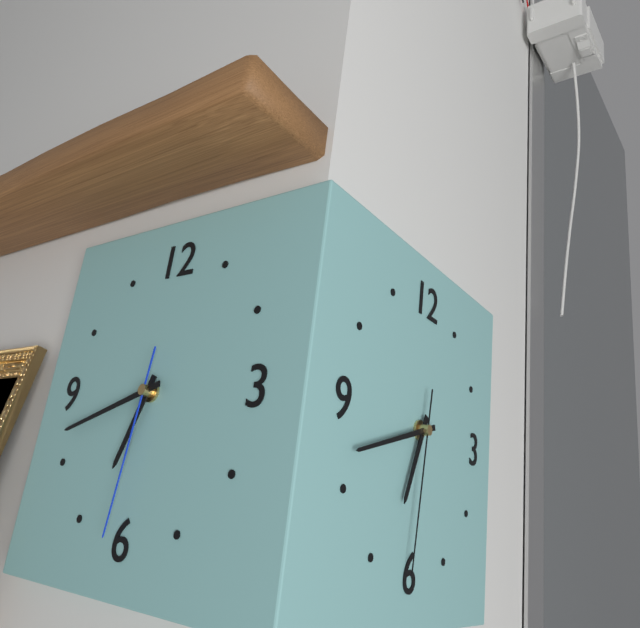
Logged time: 6,42,31
